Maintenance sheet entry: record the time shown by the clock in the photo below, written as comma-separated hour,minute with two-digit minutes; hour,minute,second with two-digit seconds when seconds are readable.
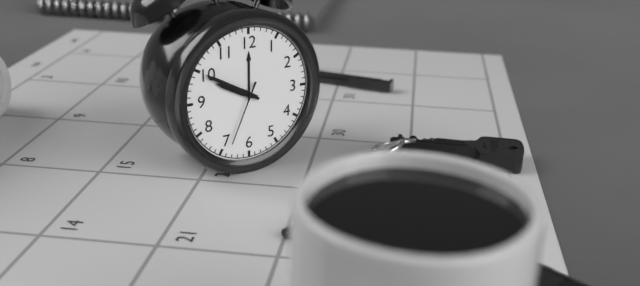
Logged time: 9,50,34
